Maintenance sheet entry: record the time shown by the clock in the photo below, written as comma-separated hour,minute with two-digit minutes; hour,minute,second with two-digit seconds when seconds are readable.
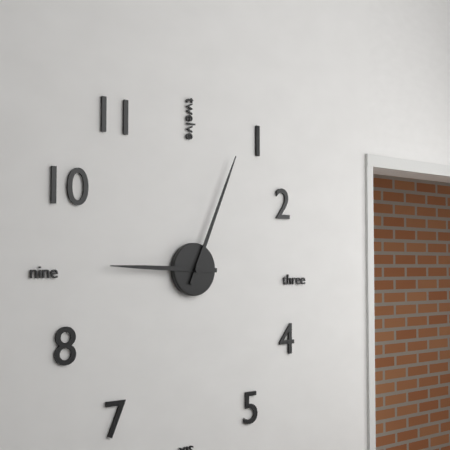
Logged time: 9,04
